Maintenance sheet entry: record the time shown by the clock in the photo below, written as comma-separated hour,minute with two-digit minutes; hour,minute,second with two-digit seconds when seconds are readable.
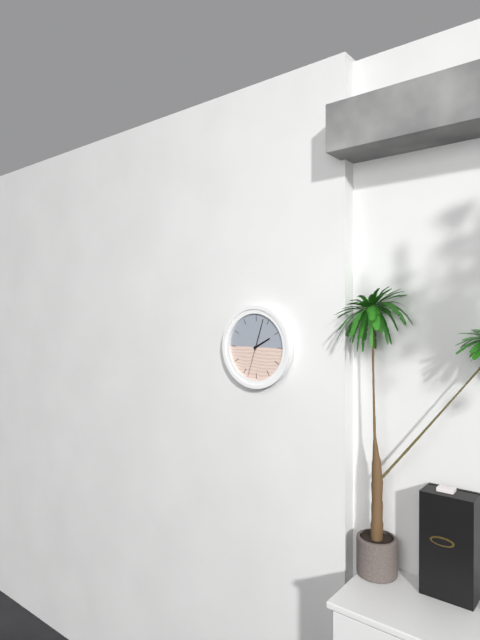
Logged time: 2,03
